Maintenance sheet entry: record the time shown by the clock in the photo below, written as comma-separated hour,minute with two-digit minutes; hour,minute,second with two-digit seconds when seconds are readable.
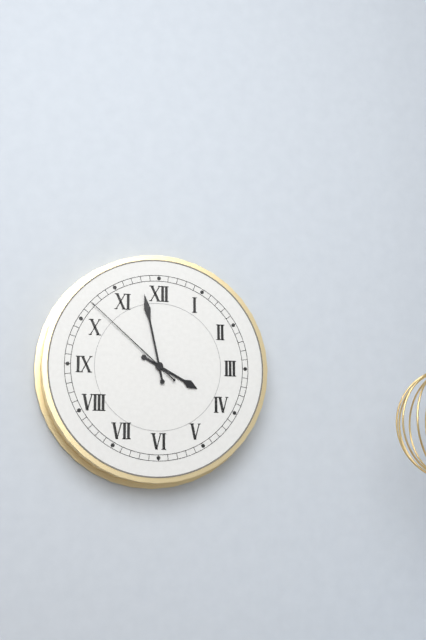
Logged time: 3,58,52
